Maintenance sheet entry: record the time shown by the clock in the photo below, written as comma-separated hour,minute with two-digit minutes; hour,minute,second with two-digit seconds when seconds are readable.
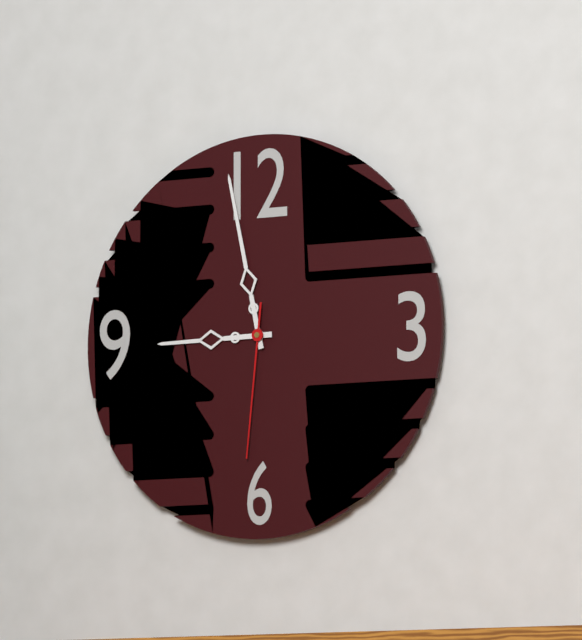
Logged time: 8,58,31
